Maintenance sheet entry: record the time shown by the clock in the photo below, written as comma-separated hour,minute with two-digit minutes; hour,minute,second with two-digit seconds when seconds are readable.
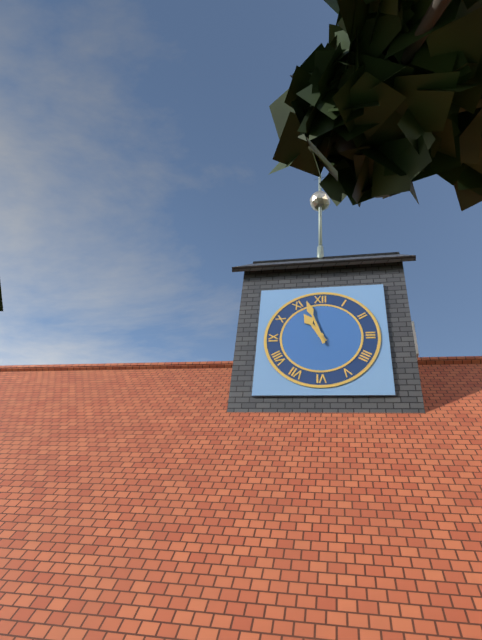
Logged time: 10,57
